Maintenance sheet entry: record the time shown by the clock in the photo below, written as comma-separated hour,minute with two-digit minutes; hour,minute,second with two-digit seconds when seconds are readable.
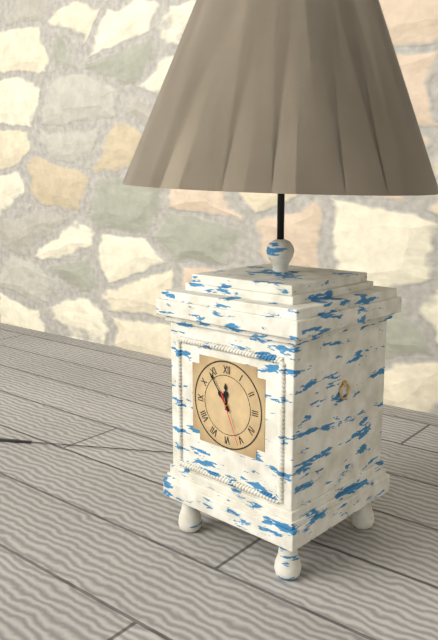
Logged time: 11,54,26
